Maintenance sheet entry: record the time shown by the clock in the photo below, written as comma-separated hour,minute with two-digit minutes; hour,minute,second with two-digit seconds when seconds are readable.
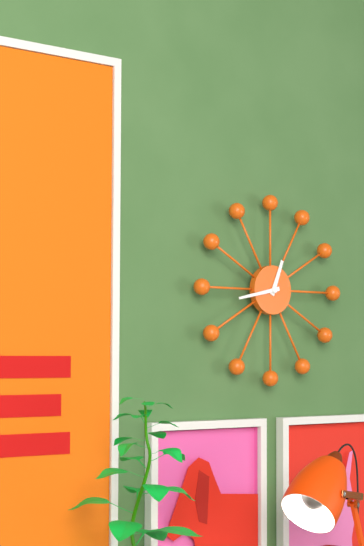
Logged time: 12,43
